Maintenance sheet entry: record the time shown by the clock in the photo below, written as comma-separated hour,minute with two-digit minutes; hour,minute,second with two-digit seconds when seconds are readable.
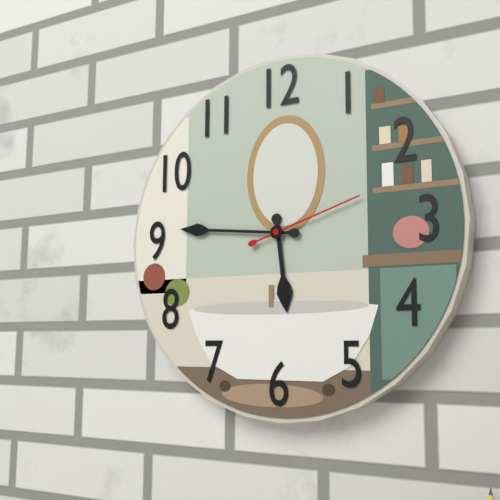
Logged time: 5,46,12
